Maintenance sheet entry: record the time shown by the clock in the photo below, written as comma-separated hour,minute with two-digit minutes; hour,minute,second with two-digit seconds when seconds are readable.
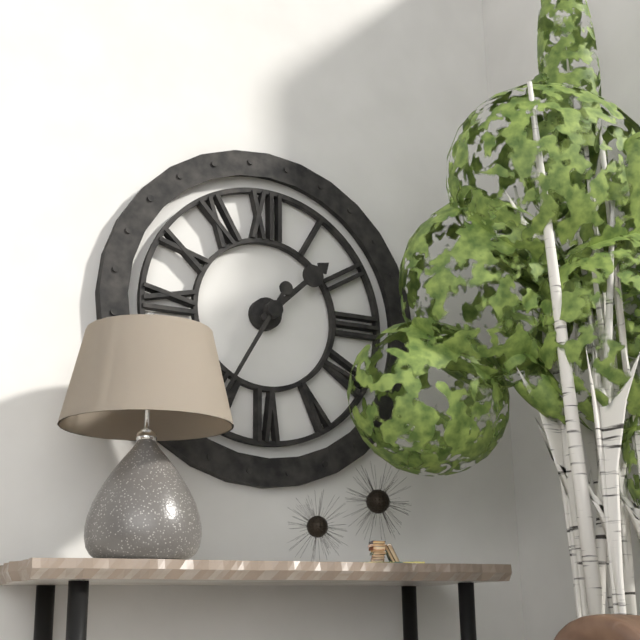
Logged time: 1,35
